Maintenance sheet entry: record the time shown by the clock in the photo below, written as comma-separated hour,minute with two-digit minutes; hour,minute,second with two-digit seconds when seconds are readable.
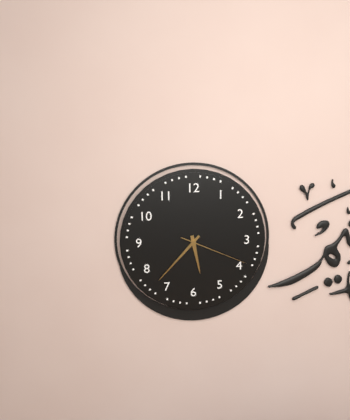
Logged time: 5,37,19
